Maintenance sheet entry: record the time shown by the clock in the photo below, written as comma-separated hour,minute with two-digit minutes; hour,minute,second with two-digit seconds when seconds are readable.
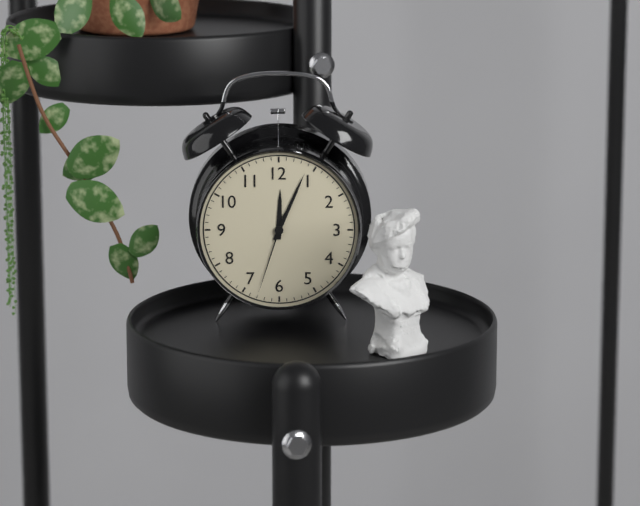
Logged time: 12,04,33
